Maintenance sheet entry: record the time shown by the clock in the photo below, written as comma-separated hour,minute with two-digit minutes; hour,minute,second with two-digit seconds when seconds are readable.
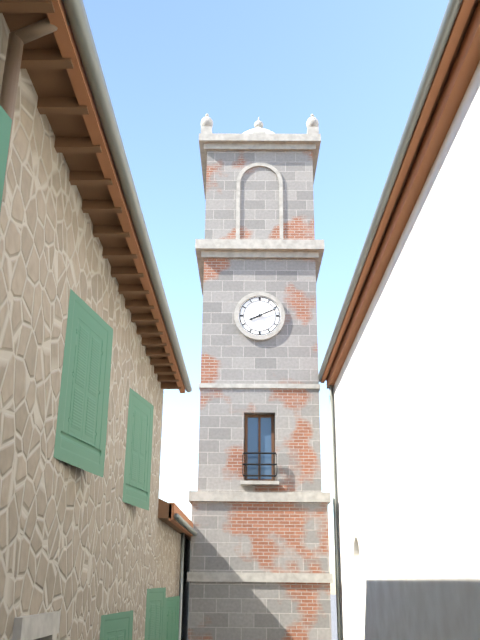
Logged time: 8,11
